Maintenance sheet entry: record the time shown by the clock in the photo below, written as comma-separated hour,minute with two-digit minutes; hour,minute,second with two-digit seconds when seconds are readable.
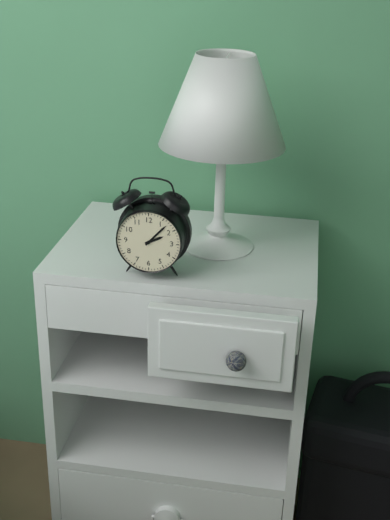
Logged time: 2,07
